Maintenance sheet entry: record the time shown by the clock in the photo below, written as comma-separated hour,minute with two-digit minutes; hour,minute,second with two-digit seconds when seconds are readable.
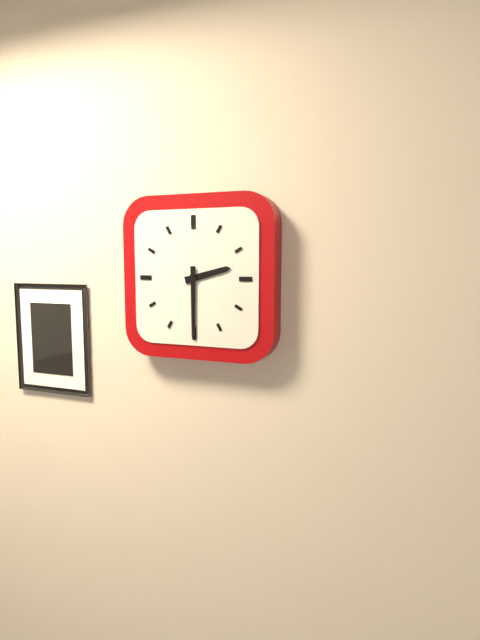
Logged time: 2,30
